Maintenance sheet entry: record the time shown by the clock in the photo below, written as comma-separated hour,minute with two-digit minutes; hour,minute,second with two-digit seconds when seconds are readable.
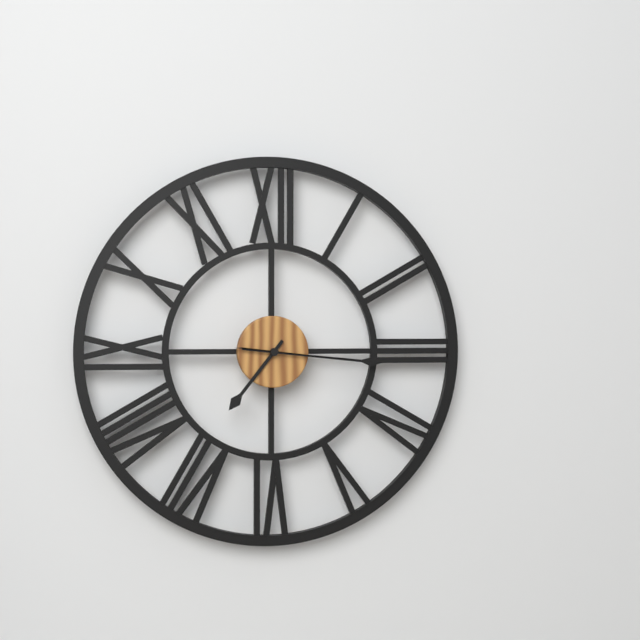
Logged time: 7,16
